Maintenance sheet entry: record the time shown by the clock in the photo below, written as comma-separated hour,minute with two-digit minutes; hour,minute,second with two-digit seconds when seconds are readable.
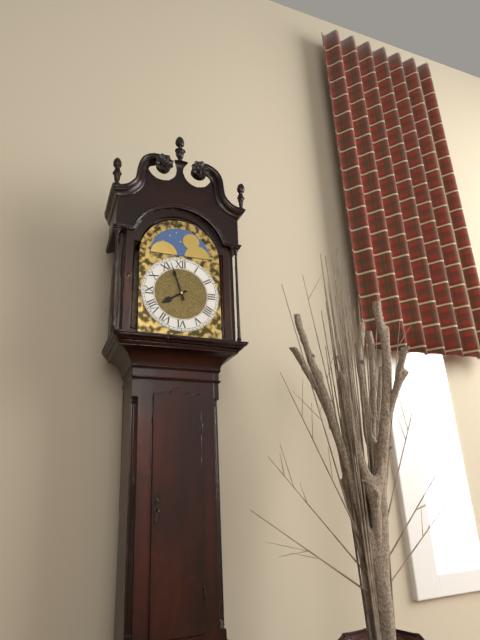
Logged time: 7,57
